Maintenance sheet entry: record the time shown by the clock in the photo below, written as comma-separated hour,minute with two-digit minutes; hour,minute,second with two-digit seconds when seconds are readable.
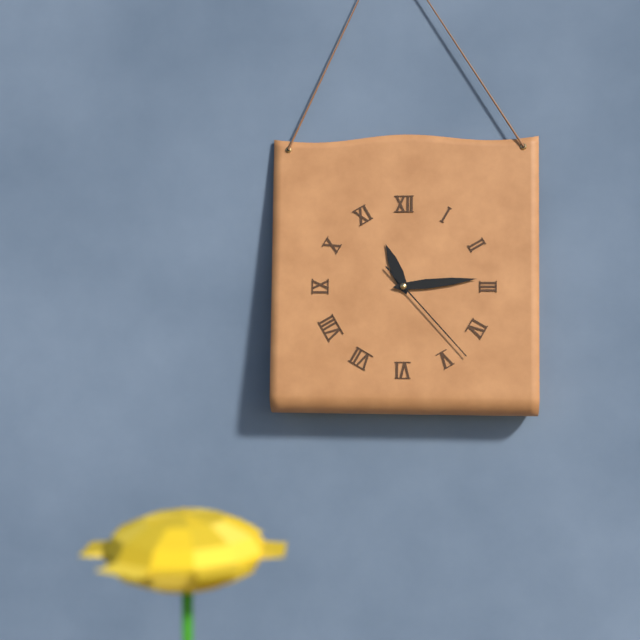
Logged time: 11,14,23
